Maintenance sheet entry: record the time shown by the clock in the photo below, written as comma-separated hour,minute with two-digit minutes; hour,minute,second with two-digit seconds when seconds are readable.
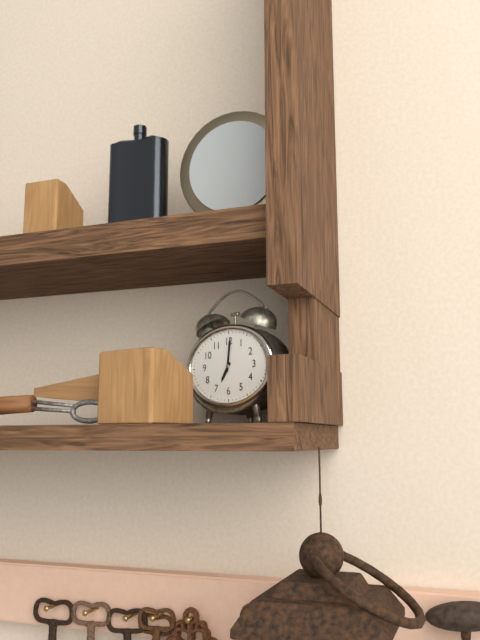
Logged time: 7,01
